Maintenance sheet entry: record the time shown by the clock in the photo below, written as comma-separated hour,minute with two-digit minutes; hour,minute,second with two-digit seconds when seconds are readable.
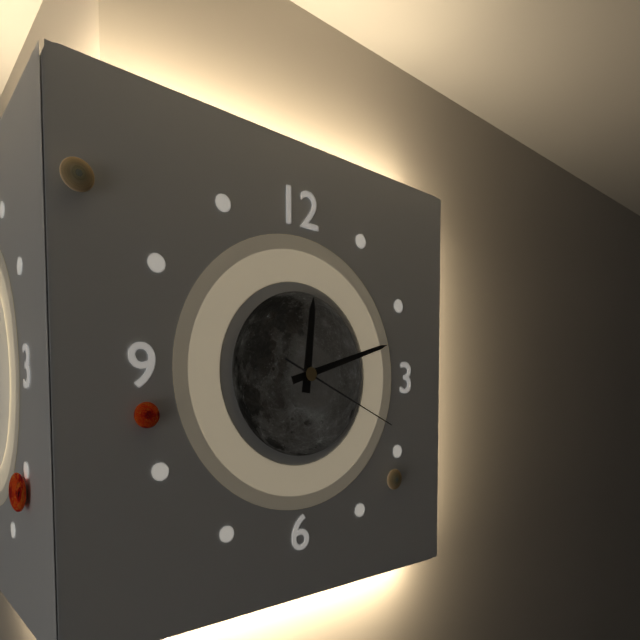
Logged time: 12,12,19
